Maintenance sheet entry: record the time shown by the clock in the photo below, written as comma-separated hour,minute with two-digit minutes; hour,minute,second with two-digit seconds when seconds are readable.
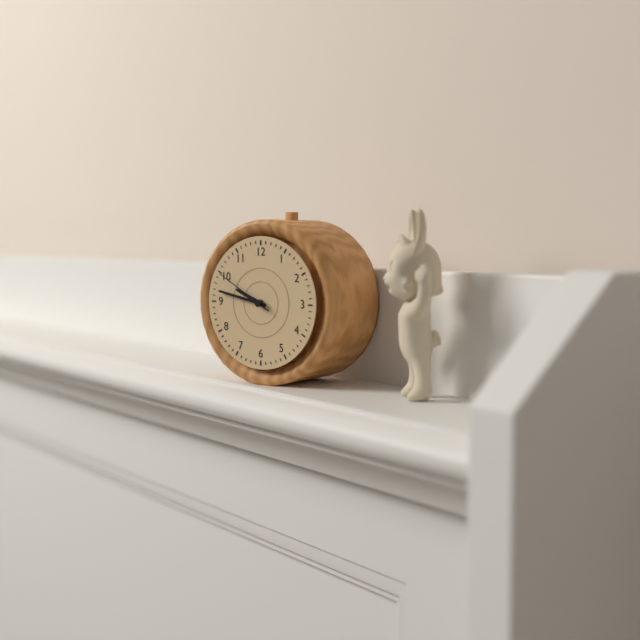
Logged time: 9,47,50
